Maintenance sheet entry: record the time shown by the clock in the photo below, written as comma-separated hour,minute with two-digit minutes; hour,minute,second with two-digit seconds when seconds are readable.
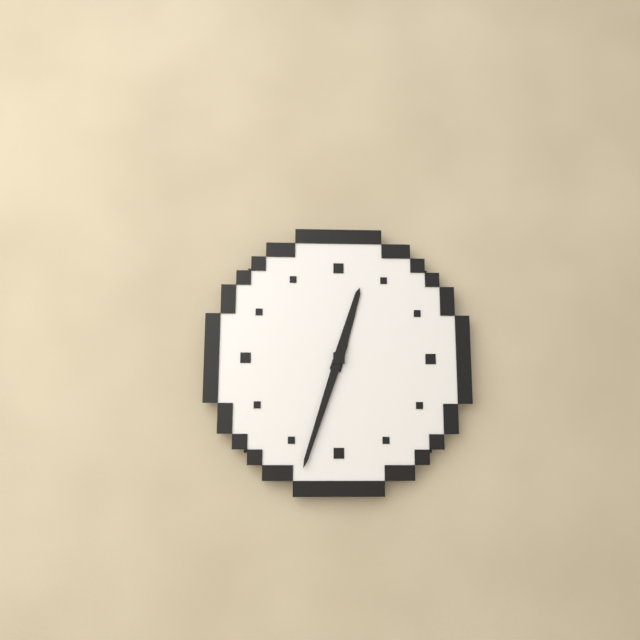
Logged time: 12,33
